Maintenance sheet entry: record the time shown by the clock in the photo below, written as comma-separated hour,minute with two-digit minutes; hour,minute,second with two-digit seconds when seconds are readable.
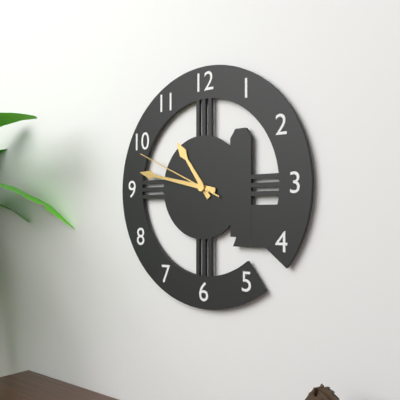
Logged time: 10,47,49
